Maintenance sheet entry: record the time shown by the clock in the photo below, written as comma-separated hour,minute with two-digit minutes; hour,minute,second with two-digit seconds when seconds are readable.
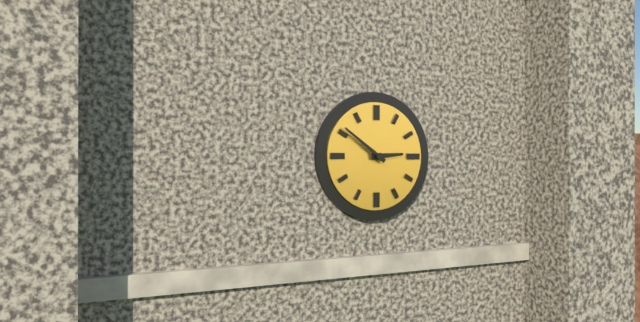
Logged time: 2,51
